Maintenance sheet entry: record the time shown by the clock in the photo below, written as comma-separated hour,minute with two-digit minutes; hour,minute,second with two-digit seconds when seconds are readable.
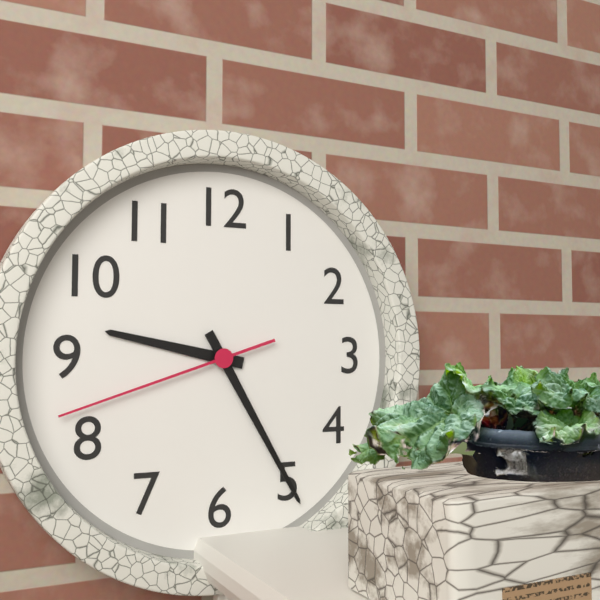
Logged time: 9,25,42
